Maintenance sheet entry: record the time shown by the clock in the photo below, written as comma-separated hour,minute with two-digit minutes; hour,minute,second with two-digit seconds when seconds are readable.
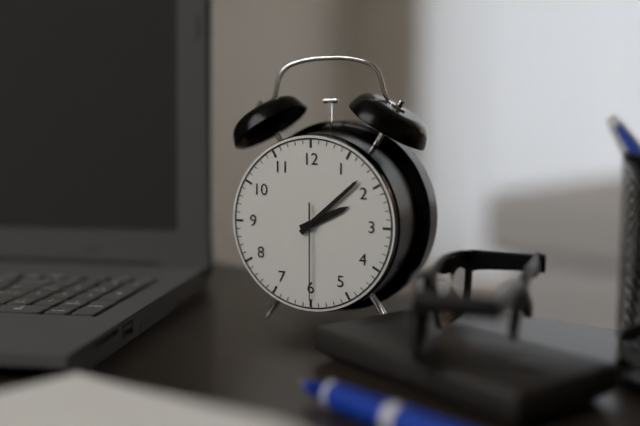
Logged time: 2,08,30
